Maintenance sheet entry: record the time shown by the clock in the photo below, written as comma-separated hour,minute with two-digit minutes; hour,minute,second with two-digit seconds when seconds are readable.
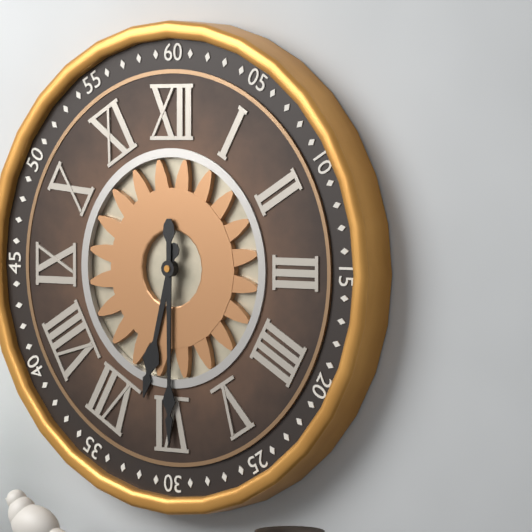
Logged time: 6,30
